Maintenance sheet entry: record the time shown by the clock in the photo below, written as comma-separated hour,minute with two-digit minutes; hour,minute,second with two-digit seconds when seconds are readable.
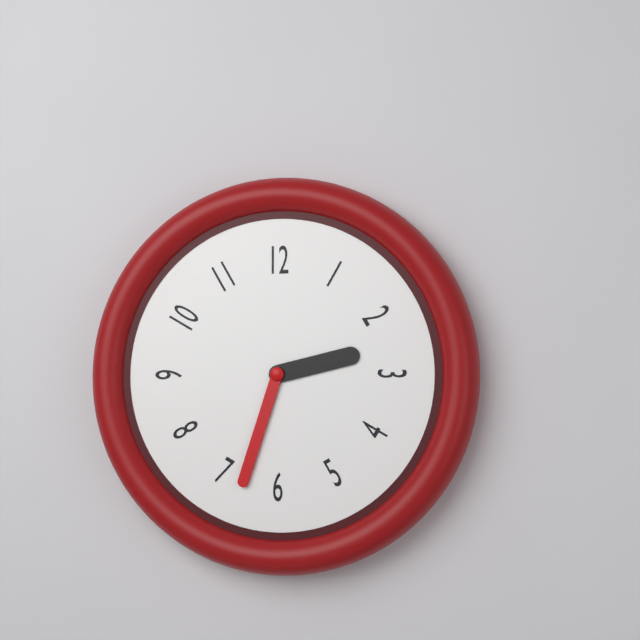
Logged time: 2,33
